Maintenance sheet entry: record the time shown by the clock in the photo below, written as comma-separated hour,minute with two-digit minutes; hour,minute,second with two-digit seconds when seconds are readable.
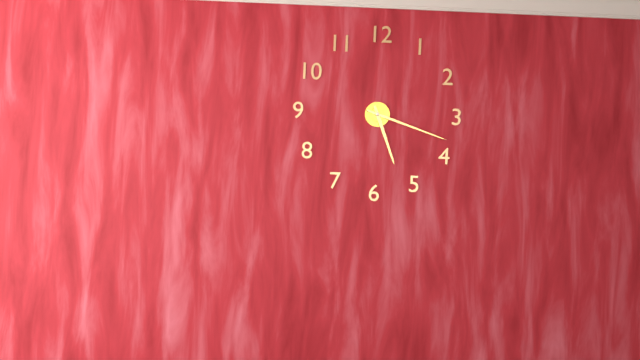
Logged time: 5,18
